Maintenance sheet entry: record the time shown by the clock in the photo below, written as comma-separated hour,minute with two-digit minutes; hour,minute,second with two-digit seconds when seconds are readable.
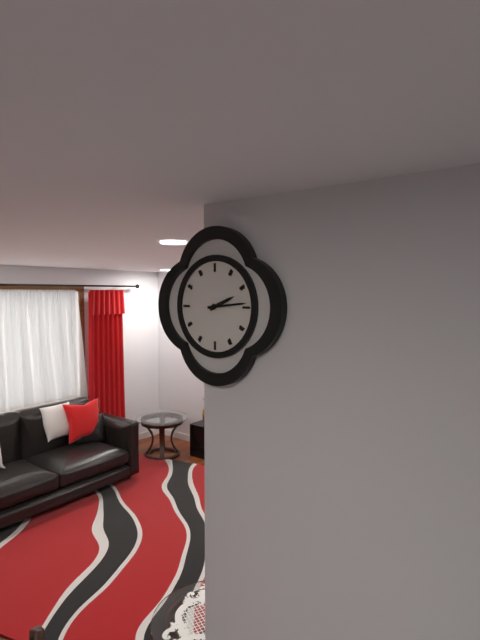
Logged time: 2,14
